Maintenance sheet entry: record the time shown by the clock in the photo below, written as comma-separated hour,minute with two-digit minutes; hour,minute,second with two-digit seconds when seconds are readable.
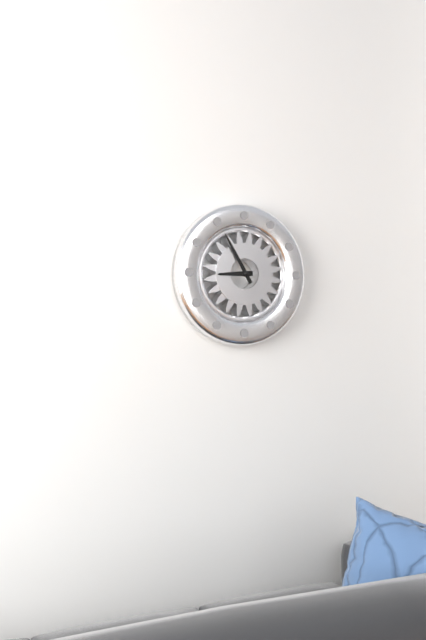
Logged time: 8,55
